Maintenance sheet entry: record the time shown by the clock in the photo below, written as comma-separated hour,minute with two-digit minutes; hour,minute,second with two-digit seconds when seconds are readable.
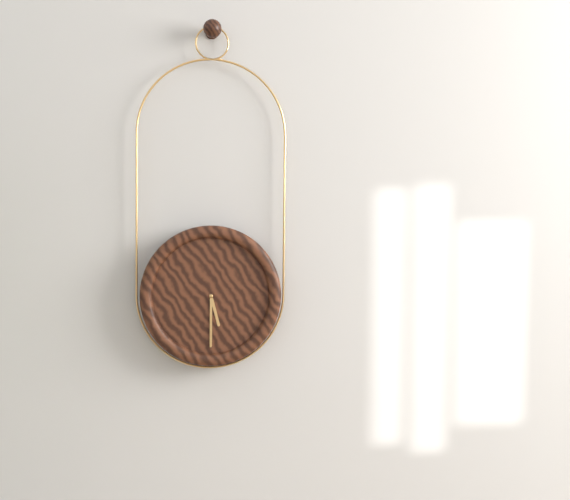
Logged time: 5,30
